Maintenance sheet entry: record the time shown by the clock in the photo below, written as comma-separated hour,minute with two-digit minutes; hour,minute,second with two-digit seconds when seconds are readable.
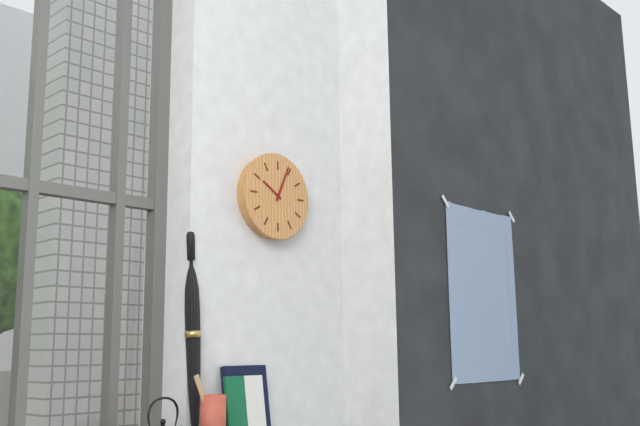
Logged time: 10,04
